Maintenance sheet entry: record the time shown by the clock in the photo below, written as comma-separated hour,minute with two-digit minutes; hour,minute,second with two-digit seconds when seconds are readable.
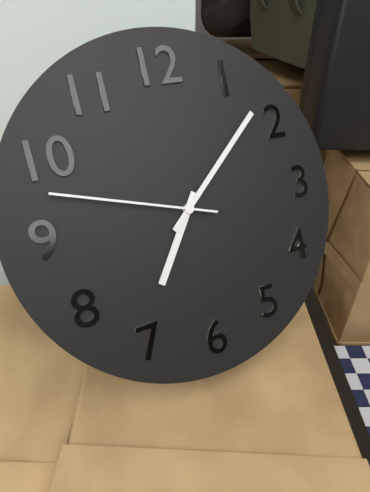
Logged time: 7,08,48
